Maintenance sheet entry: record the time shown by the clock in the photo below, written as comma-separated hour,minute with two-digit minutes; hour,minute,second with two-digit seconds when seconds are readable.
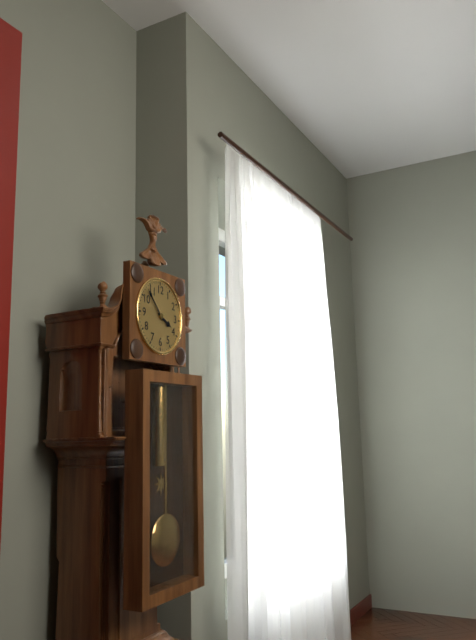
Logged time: 3,53
